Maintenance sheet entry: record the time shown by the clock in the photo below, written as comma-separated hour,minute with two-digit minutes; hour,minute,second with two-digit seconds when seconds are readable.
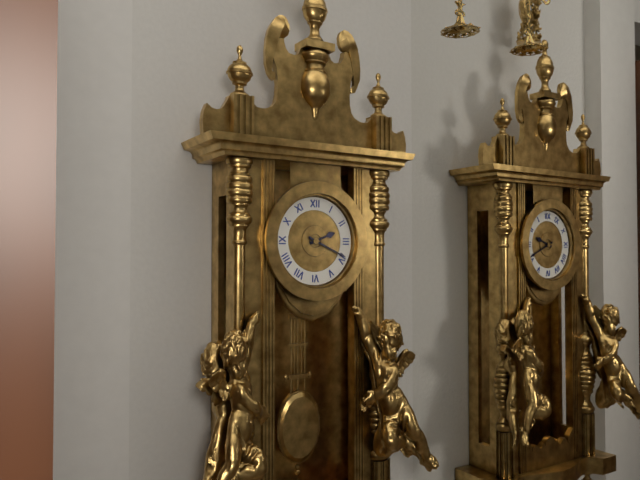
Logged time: 2,19
